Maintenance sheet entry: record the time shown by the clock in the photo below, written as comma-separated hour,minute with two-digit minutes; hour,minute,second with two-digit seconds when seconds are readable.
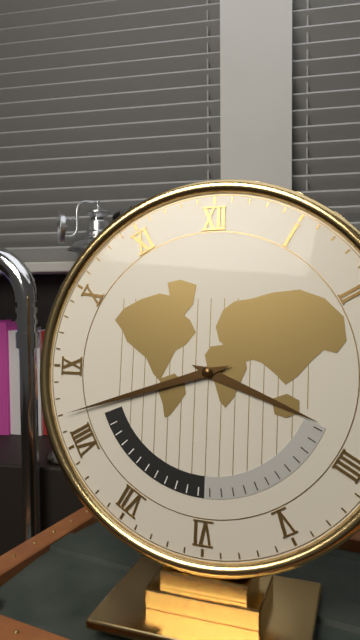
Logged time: 3,42
